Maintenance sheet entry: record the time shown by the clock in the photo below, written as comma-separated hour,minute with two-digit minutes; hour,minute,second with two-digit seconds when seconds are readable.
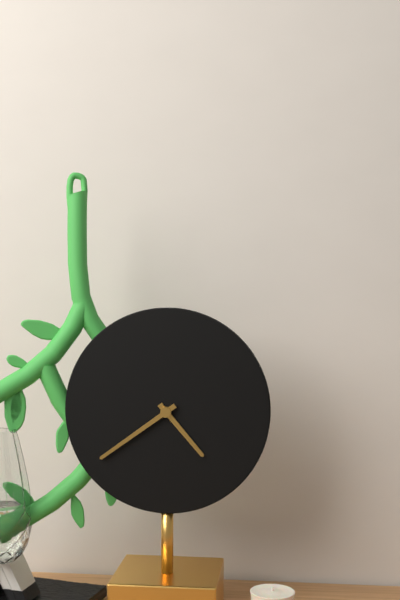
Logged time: 4,39
